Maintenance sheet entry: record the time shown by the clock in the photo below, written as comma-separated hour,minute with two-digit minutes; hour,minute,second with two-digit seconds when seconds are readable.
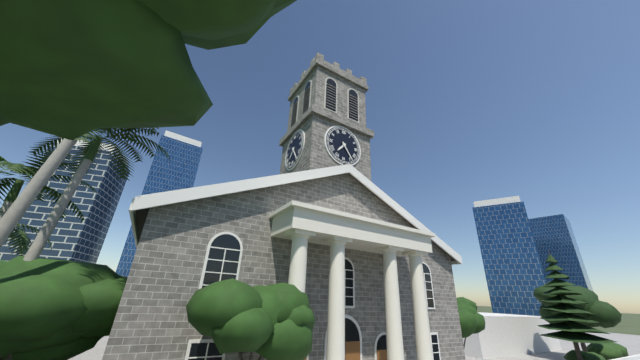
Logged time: 7,24
